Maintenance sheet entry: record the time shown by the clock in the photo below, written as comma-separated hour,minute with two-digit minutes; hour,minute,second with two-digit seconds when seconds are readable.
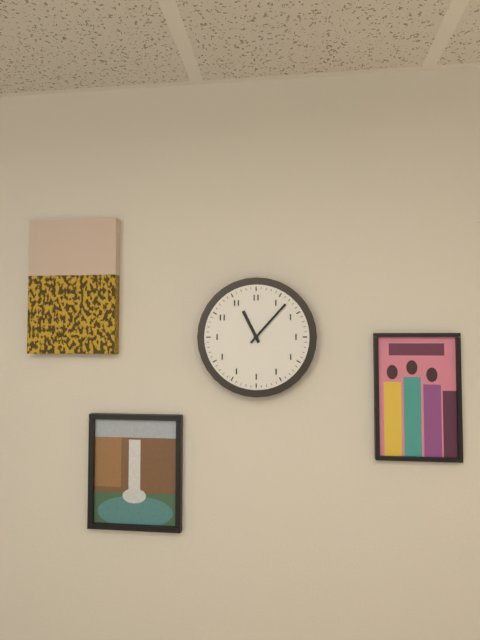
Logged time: 11,07
